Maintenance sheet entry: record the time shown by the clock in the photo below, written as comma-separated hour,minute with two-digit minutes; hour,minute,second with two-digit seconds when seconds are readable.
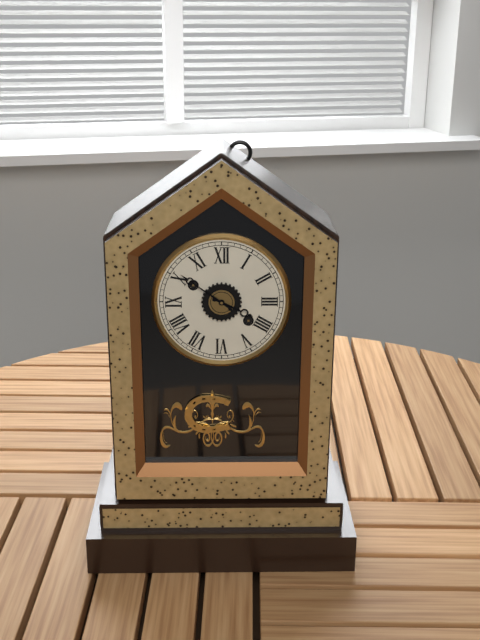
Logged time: 3,51
